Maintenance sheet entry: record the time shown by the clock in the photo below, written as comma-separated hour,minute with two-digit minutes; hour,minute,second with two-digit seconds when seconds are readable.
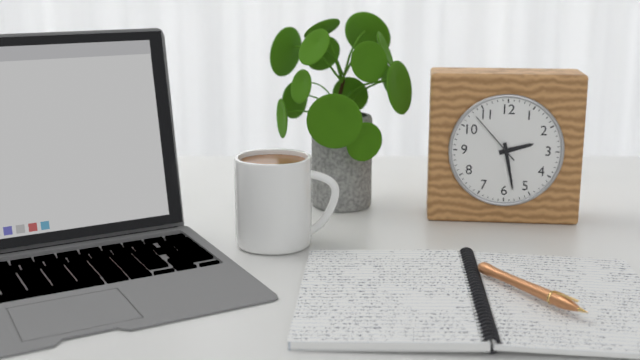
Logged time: 2,28,53
